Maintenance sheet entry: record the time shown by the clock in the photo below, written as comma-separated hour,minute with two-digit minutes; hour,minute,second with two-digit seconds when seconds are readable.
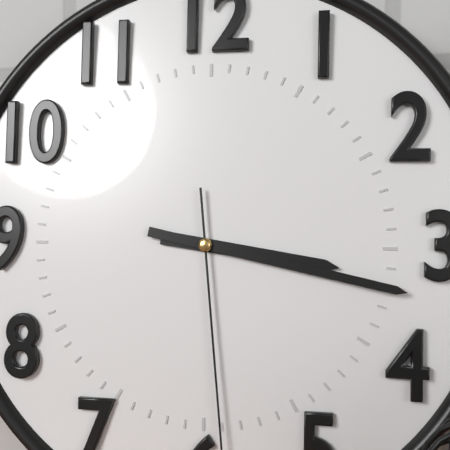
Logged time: 3,17
